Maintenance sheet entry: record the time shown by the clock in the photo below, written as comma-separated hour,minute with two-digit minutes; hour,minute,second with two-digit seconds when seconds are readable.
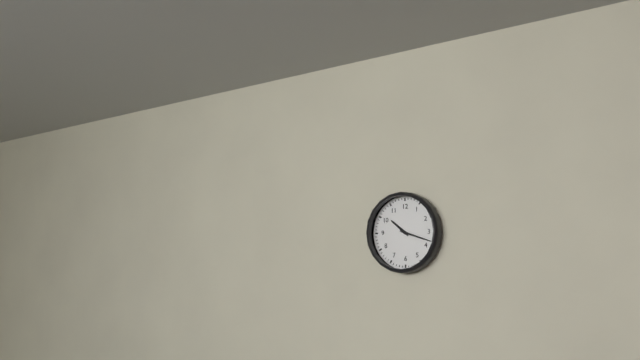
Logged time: 10,18
